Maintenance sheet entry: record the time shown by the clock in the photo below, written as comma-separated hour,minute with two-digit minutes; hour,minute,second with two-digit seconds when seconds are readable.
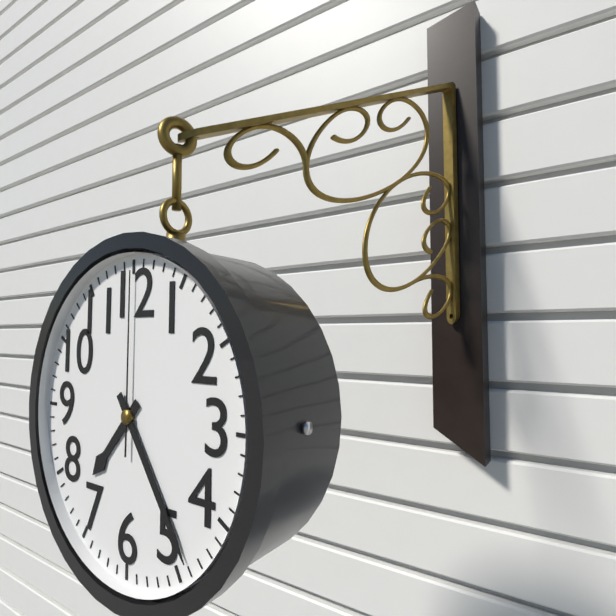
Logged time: 7,24,00
